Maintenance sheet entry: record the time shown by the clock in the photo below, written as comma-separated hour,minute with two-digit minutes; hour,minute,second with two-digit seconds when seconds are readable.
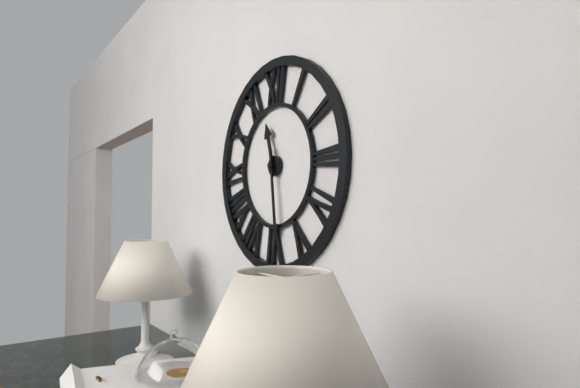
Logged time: 11,29
